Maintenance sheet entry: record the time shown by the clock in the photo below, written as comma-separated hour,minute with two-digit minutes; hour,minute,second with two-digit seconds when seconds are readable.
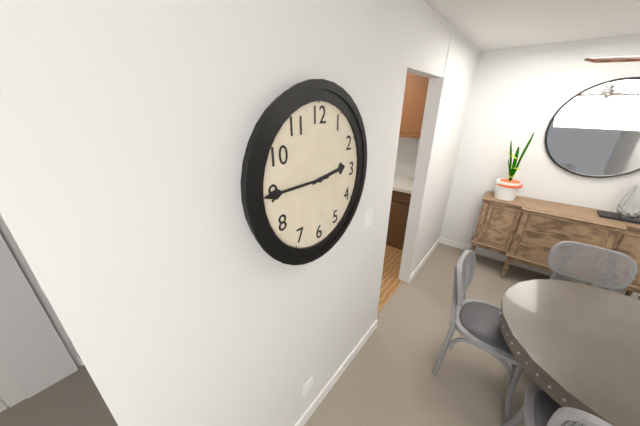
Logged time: 2,45
